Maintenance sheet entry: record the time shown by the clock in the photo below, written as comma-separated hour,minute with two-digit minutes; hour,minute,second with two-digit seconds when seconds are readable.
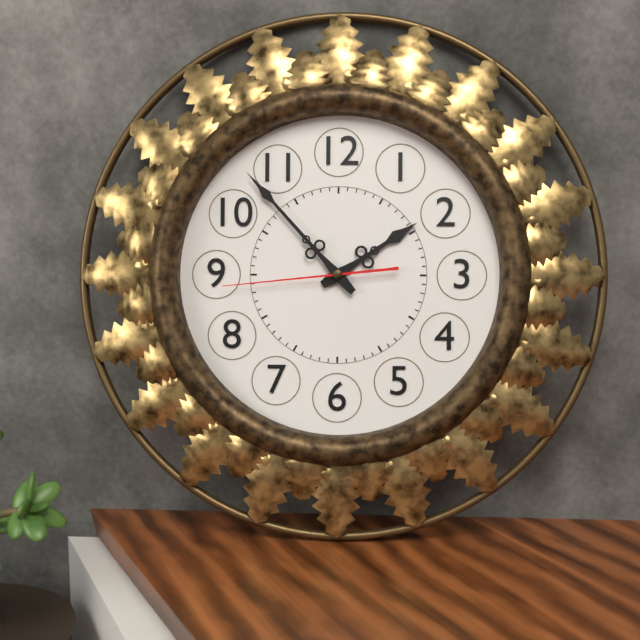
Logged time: 1,53,44
